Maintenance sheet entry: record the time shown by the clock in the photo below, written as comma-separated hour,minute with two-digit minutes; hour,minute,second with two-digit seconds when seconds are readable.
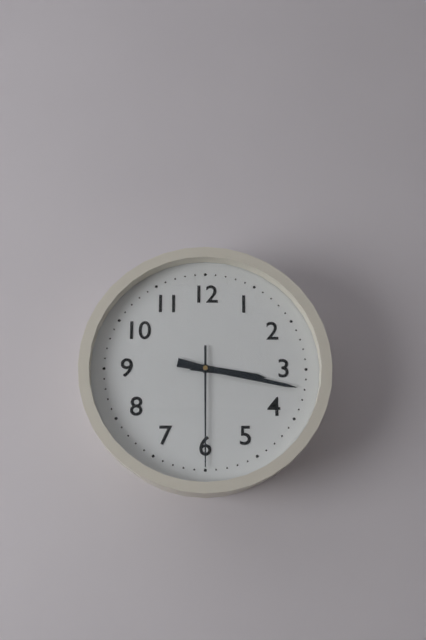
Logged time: 3,17,30
